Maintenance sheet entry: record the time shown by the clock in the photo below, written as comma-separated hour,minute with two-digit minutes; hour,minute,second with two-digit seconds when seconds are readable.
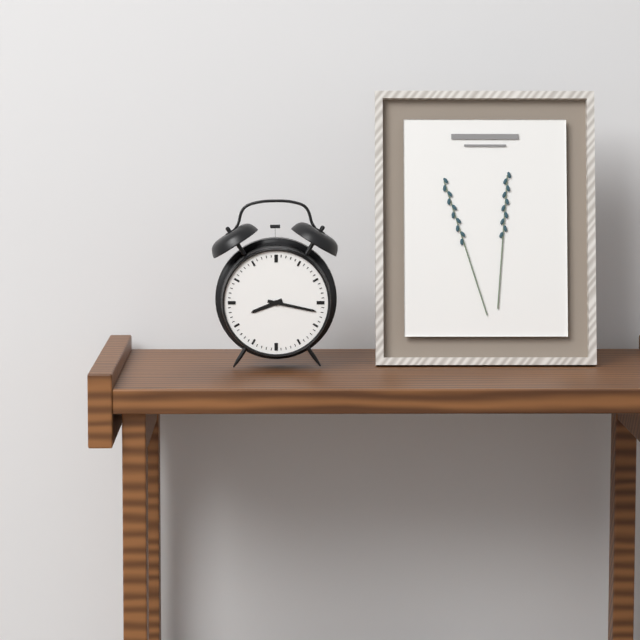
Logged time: 8,17
